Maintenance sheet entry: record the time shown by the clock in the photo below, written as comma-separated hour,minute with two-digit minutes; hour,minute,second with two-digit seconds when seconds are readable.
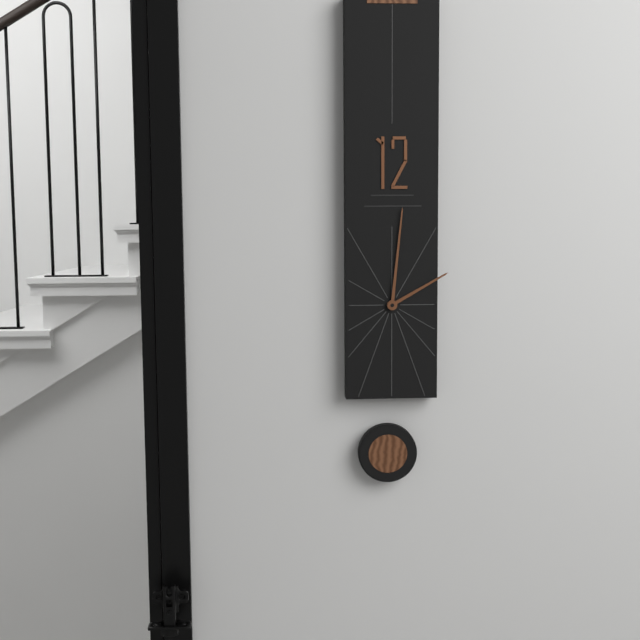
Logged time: 2,01
